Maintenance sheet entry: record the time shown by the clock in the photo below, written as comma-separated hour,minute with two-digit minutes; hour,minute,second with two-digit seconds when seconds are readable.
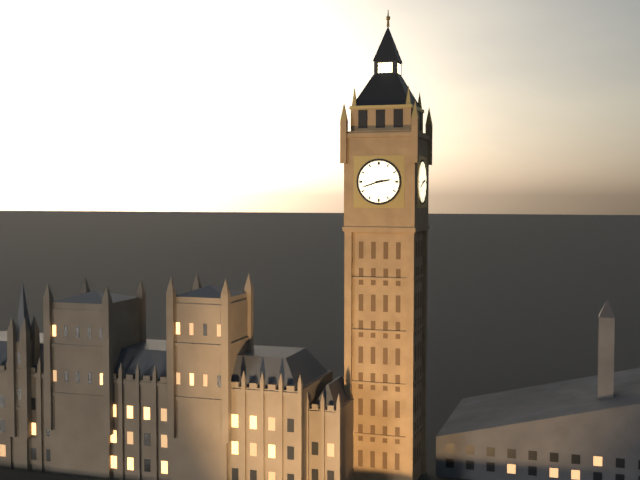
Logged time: 2,42
